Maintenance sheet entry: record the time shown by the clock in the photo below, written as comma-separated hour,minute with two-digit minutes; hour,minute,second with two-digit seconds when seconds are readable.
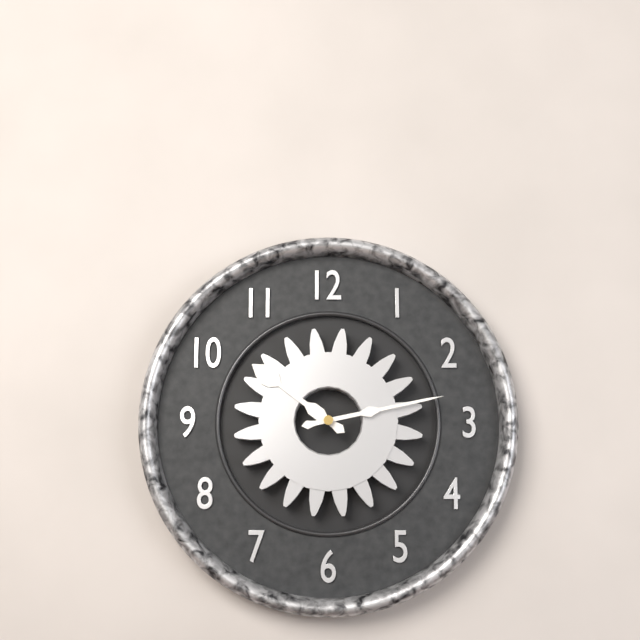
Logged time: 10,13
